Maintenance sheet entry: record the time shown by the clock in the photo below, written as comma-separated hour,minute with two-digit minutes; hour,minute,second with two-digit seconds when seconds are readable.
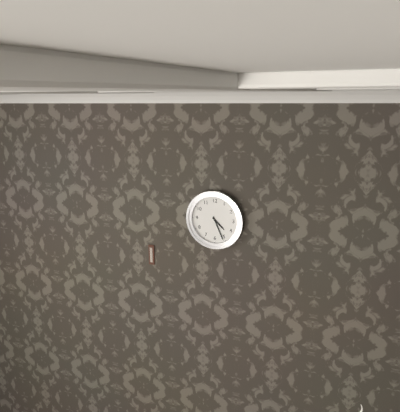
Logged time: 4,26
